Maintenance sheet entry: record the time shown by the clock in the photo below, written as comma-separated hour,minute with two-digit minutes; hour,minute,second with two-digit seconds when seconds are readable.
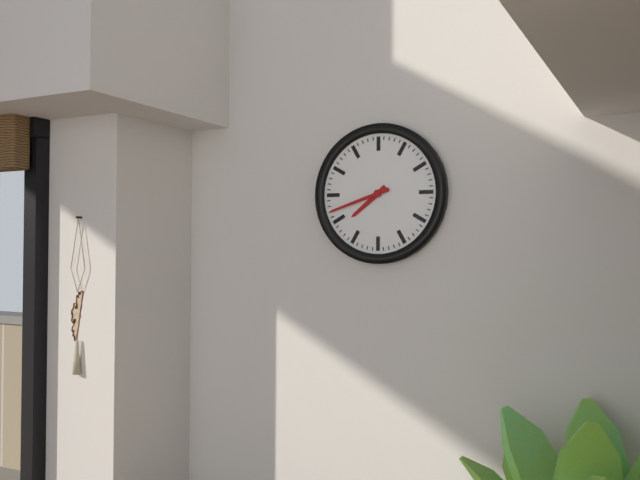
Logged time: 7,42
